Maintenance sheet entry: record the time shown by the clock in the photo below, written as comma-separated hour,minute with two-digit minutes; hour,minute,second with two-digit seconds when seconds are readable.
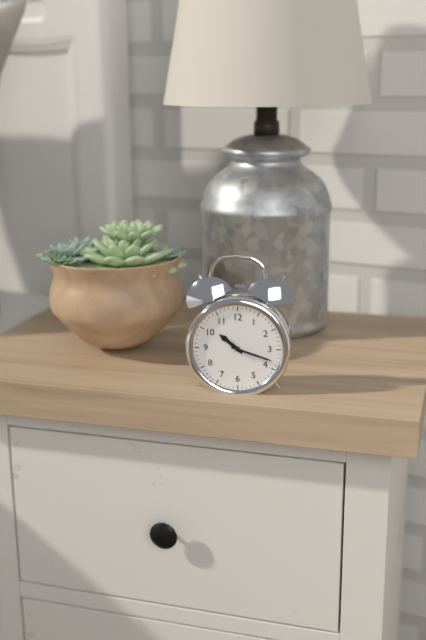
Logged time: 10,18
